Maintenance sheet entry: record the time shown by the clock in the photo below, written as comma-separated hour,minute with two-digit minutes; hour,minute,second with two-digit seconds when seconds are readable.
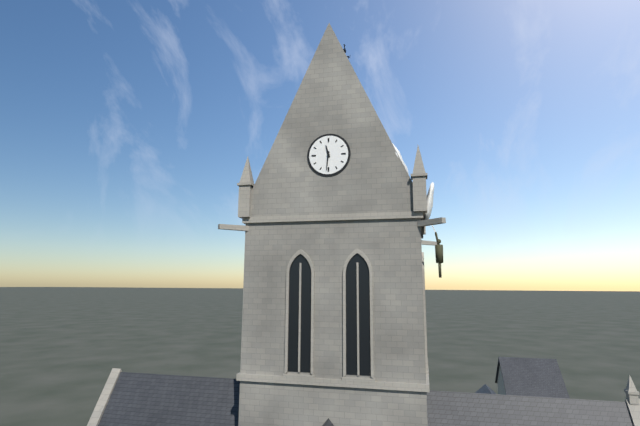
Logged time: 11,31
